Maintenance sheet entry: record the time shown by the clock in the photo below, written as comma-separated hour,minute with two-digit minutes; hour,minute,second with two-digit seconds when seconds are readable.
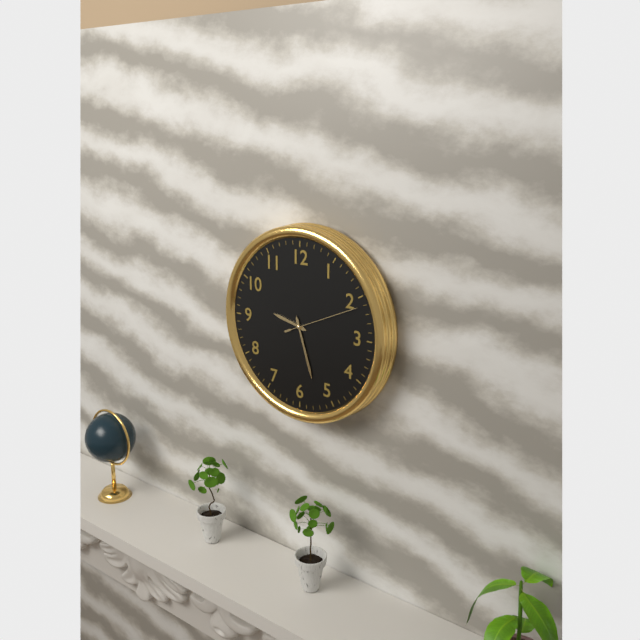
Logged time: 9,27,11
